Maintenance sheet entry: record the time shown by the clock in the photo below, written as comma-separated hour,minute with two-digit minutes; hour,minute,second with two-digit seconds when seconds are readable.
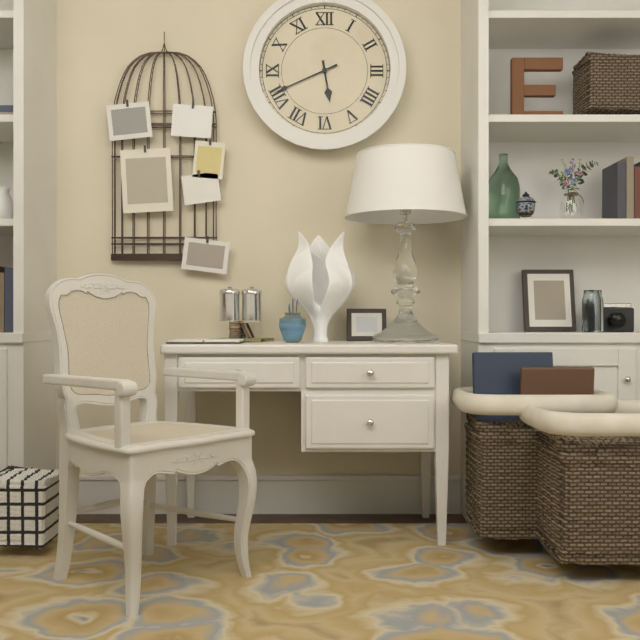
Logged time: 5,41
